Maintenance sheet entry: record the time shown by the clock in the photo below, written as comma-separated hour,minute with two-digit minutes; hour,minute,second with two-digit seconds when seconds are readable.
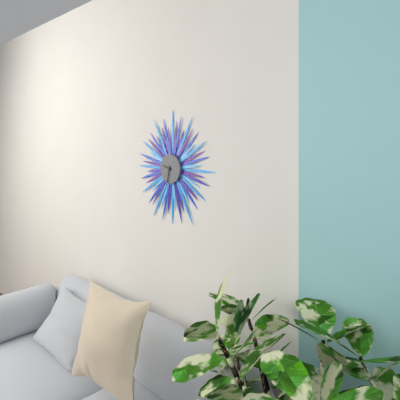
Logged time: 9,32
